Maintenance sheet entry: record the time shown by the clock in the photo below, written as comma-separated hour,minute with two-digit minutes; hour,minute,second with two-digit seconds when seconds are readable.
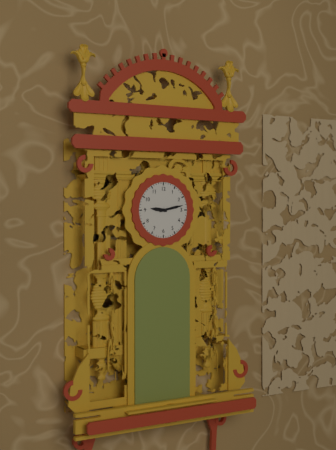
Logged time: 9,13
